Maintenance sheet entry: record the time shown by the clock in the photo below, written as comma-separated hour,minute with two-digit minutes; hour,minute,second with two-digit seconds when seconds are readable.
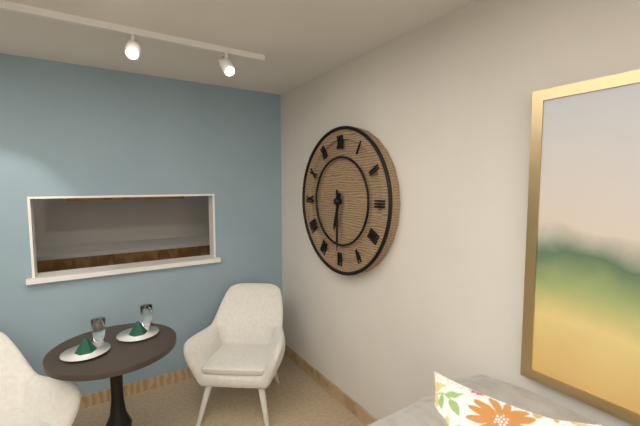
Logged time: 6,30
